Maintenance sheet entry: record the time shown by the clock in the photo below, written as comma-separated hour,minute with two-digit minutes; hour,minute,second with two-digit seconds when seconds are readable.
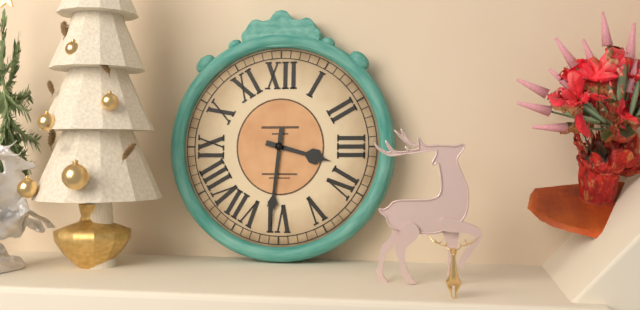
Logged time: 3,31
